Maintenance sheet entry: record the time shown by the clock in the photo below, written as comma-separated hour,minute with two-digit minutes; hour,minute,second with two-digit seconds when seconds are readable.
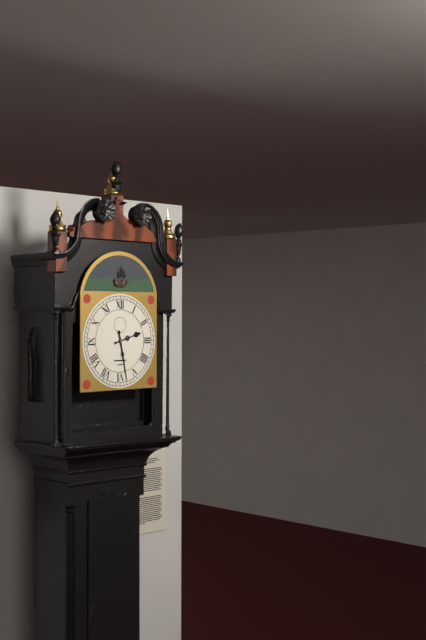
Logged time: 2,28
